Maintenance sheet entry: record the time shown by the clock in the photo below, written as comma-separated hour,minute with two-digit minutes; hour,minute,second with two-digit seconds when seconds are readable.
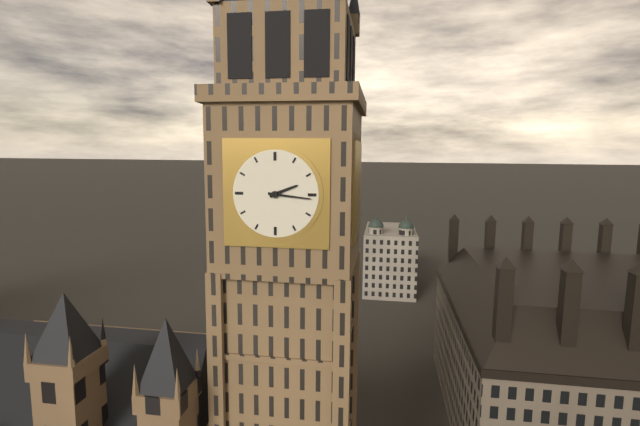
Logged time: 2,16
